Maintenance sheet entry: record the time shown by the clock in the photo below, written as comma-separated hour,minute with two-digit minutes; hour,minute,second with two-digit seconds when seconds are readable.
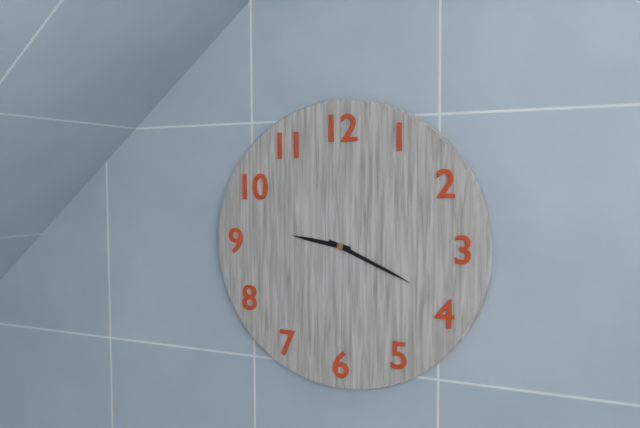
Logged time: 9,19
